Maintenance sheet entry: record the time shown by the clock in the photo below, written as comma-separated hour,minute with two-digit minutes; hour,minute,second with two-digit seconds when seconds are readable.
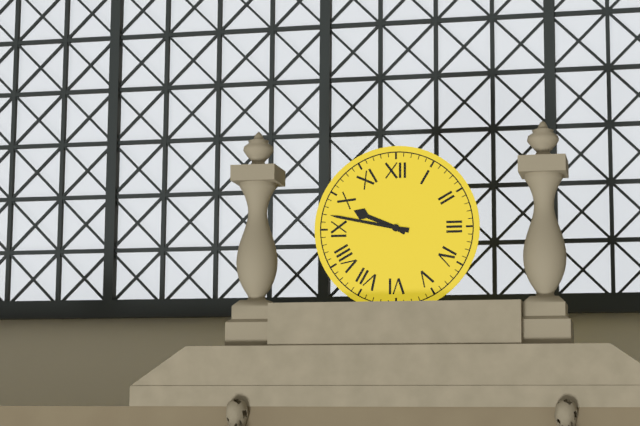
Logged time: 9,47
